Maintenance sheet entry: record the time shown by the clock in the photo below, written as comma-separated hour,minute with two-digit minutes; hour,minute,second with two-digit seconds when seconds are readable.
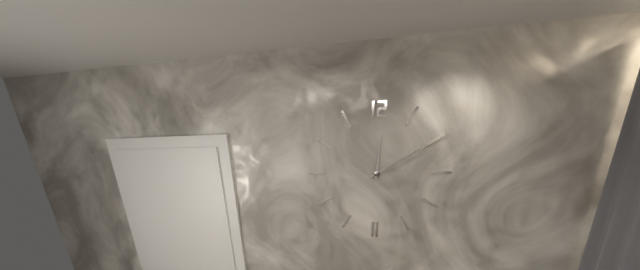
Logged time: 12,10
